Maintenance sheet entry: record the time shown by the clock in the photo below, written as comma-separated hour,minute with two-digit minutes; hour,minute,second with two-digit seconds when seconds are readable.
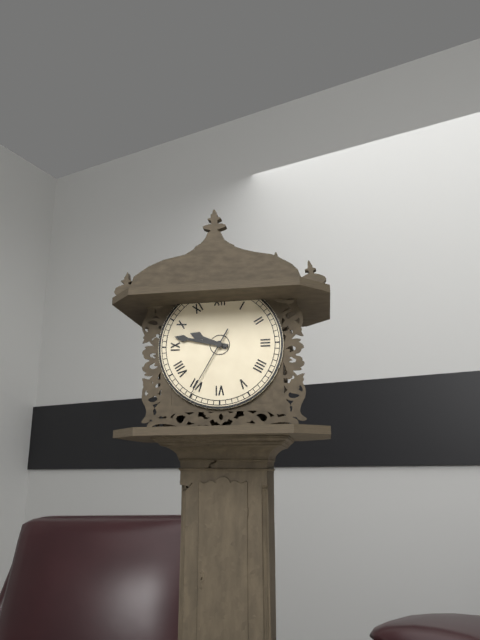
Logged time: 9,47,35
